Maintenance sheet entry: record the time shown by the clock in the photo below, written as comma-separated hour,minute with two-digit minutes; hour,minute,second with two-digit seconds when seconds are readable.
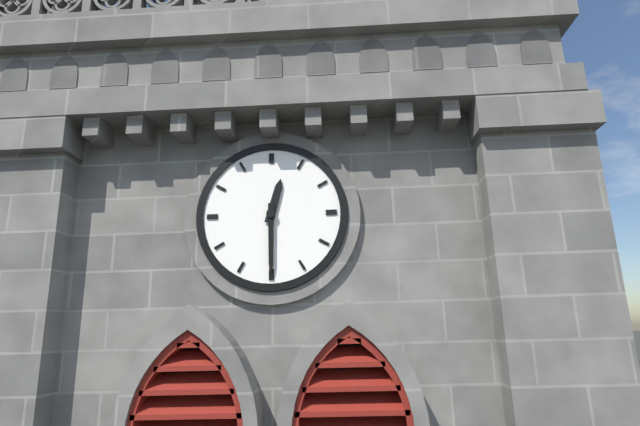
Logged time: 12,30
